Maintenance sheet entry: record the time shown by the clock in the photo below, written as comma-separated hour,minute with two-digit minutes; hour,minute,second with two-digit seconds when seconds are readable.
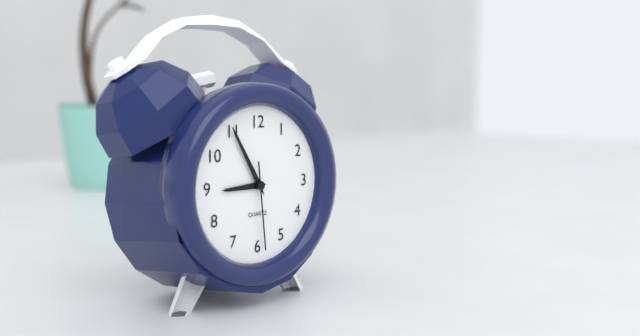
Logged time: 8,55,29
